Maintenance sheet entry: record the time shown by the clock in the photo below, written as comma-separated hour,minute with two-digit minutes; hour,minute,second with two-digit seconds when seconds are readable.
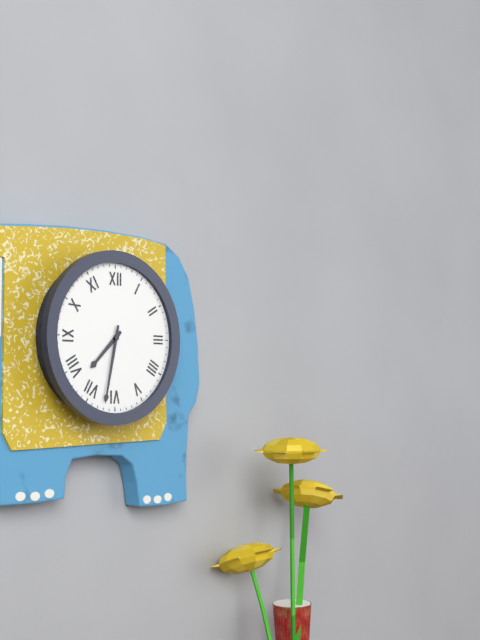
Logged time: 7,32
